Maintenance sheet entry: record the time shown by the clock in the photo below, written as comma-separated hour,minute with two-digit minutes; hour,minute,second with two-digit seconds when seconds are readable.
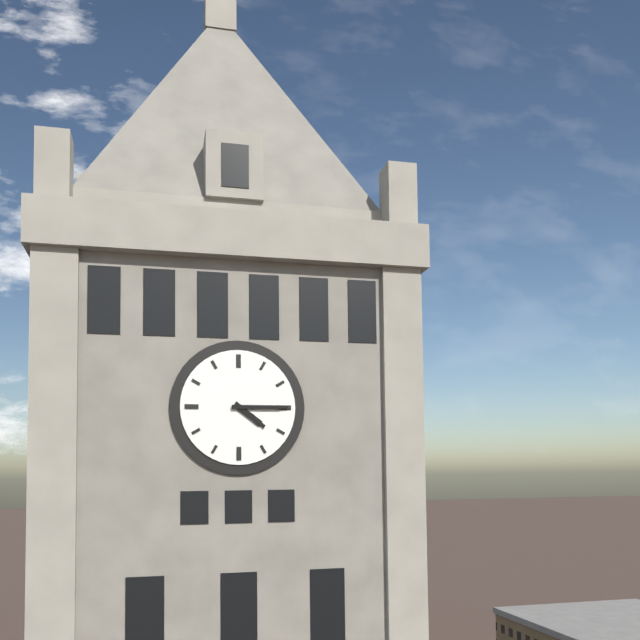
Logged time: 4,15
